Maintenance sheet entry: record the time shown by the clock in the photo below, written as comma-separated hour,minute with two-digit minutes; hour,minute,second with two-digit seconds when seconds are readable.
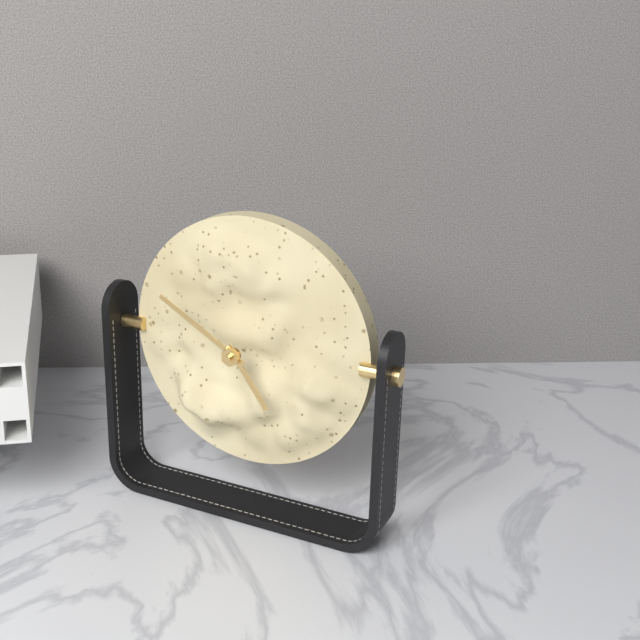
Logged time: 4,50
